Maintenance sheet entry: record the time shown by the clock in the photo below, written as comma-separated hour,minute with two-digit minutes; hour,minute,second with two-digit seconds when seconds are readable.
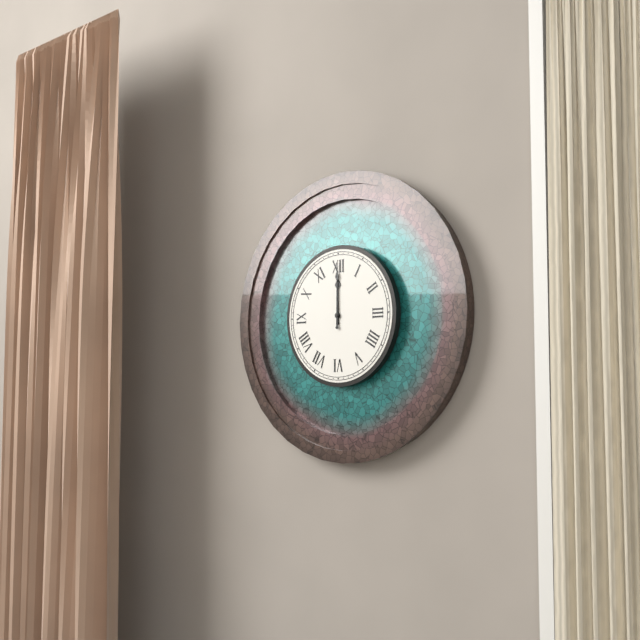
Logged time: 12,00
